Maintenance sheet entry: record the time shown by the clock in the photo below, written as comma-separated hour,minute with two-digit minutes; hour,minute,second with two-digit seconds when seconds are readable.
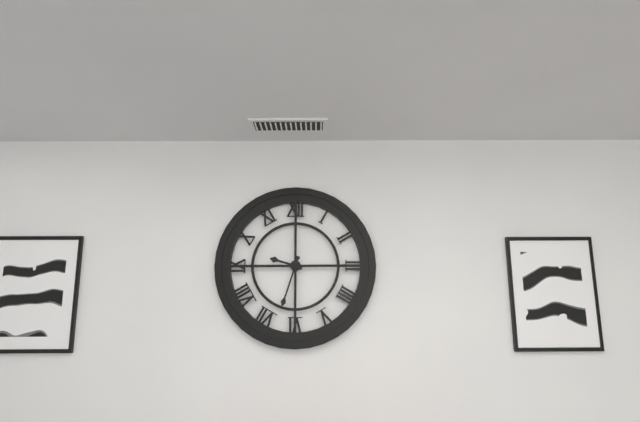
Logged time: 9,33
